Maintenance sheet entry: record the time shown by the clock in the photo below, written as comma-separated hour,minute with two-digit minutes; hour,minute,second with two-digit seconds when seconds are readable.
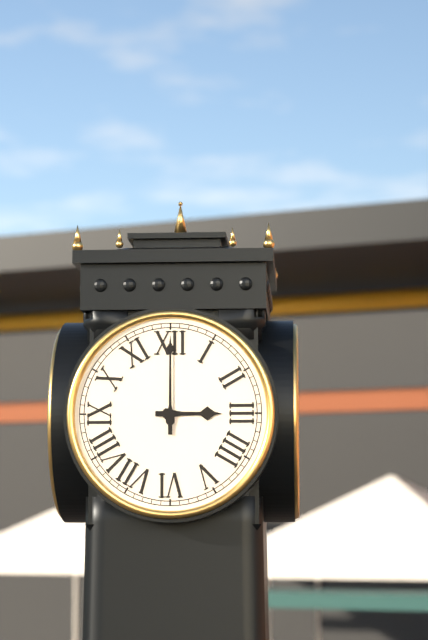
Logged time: 3,00
